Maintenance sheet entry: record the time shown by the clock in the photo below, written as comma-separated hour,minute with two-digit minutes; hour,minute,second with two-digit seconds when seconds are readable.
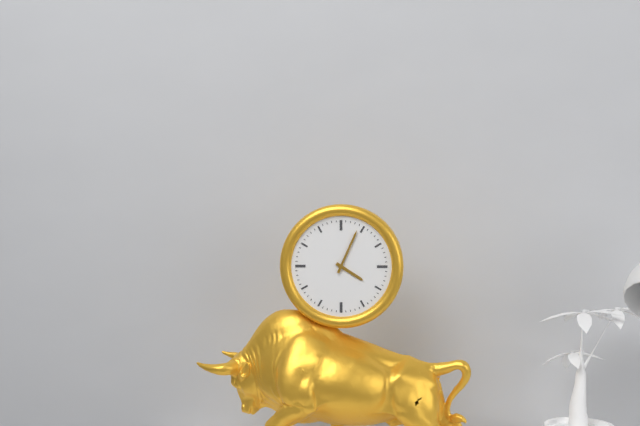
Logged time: 4,04
